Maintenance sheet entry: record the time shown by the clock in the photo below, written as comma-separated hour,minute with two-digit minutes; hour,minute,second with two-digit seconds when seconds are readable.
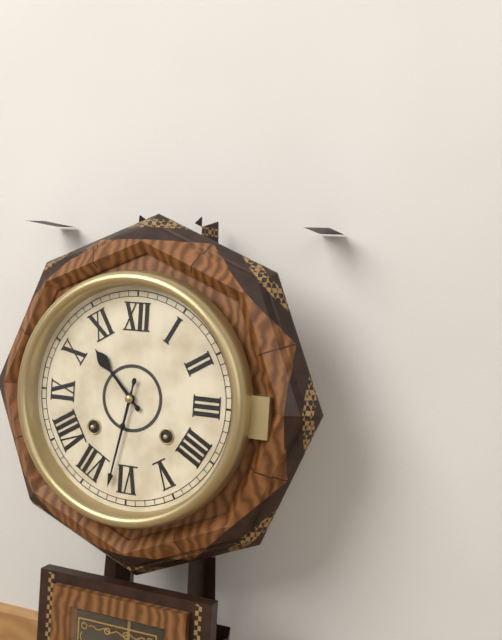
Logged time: 10,32
